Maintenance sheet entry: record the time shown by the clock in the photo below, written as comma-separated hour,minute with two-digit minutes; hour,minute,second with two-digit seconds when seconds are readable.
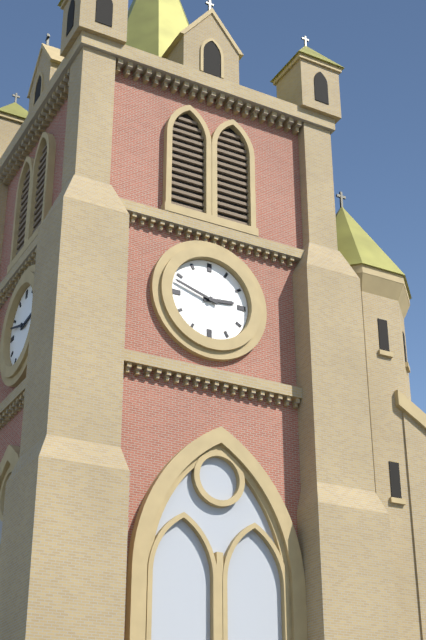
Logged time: 2,48
